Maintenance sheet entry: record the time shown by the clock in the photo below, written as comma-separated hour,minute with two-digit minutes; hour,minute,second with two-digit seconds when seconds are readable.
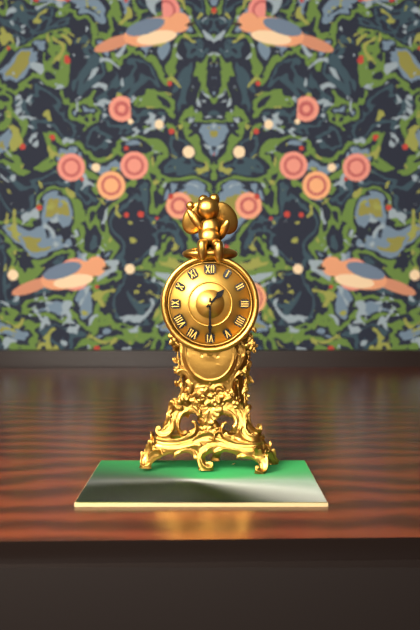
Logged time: 1,30
